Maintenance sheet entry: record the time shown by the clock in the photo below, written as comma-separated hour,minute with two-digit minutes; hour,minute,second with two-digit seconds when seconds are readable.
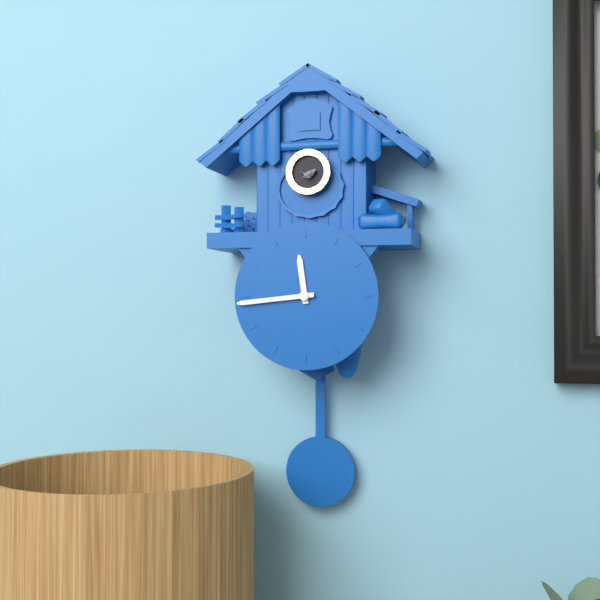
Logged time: 11,44
